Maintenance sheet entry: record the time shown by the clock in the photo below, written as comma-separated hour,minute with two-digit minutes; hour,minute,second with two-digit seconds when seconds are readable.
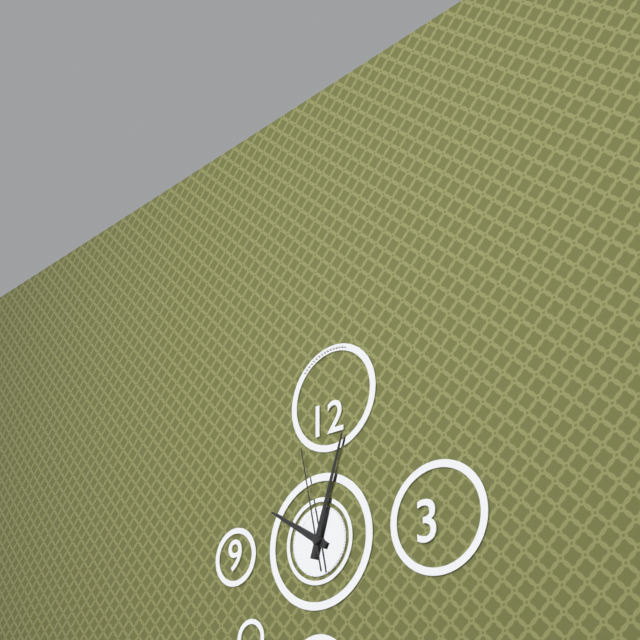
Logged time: 10,03,58
